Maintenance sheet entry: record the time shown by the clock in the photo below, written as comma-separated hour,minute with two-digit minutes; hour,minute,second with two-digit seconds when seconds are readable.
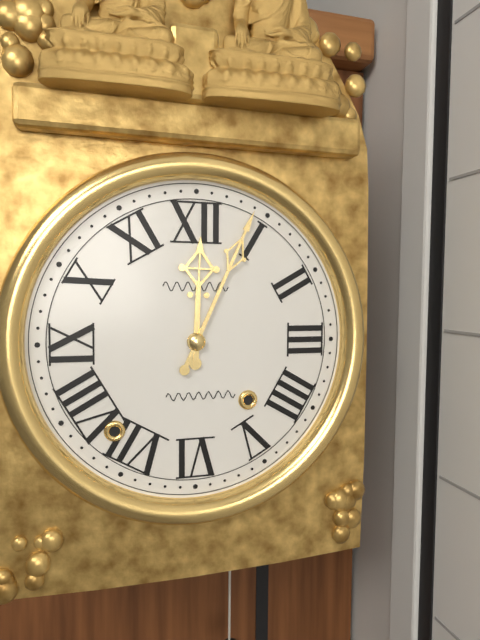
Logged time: 12,04
